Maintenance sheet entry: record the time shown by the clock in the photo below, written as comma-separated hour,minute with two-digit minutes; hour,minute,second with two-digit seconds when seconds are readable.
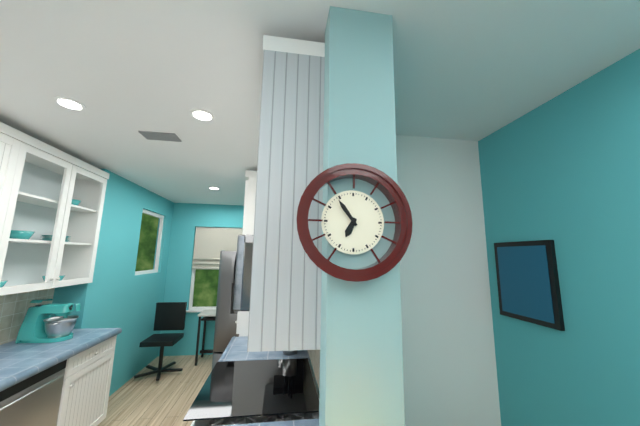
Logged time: 6,54
